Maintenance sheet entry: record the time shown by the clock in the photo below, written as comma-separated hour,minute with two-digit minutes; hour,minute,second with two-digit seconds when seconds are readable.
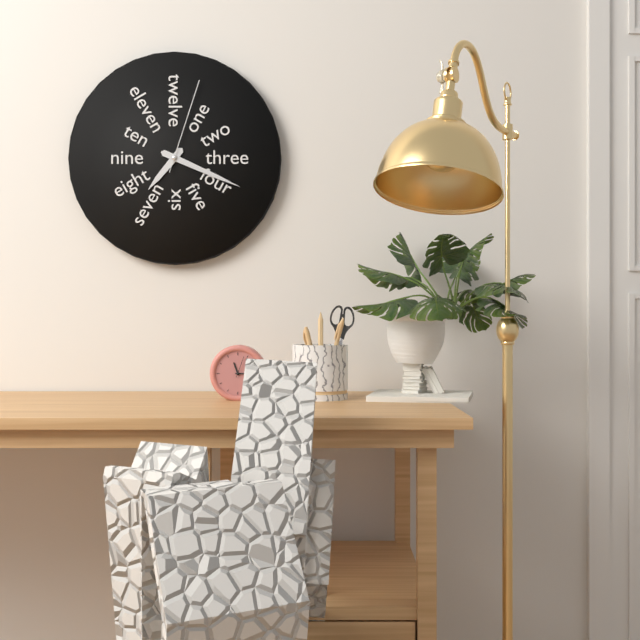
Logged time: 7,19,03
